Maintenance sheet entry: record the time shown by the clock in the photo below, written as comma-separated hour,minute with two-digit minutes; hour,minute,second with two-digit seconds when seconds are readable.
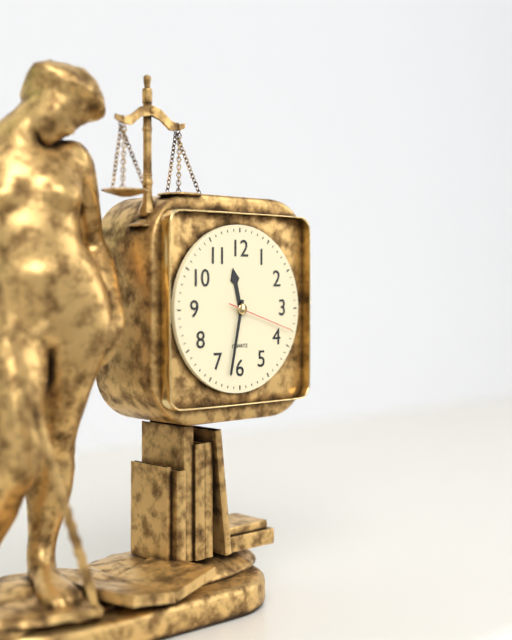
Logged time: 11,32,18
